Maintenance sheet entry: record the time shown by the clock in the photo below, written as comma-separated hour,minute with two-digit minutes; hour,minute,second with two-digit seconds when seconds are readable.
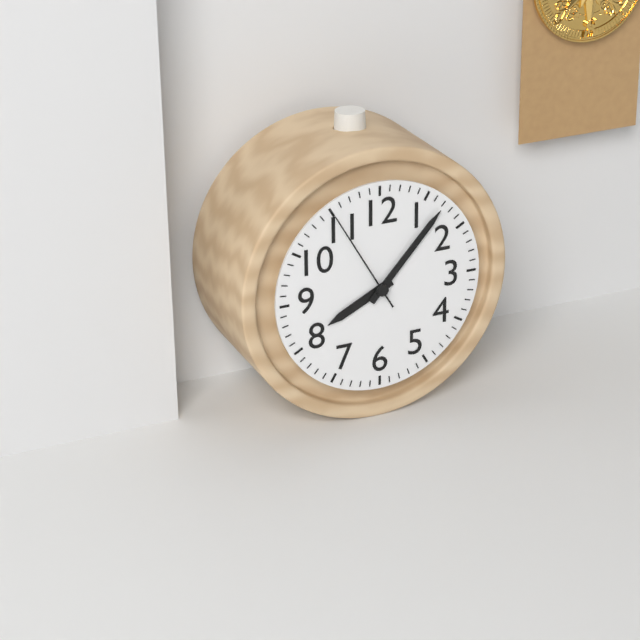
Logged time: 8,07,55
